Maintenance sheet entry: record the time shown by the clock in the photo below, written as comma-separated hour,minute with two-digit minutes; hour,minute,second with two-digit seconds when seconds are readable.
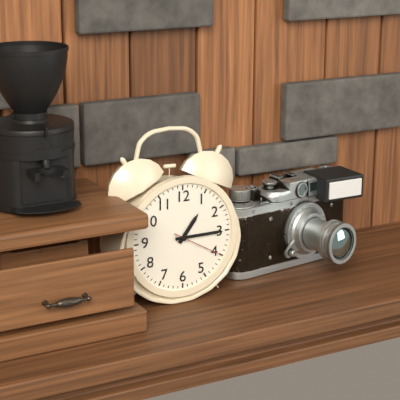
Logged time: 1,15,20
